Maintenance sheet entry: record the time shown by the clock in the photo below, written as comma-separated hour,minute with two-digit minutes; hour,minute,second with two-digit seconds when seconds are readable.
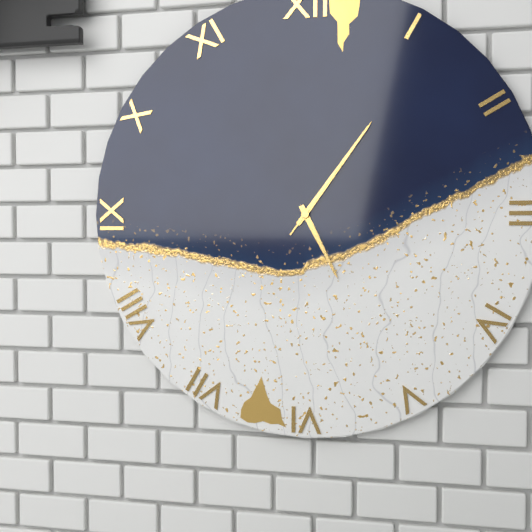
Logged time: 5,06,06
